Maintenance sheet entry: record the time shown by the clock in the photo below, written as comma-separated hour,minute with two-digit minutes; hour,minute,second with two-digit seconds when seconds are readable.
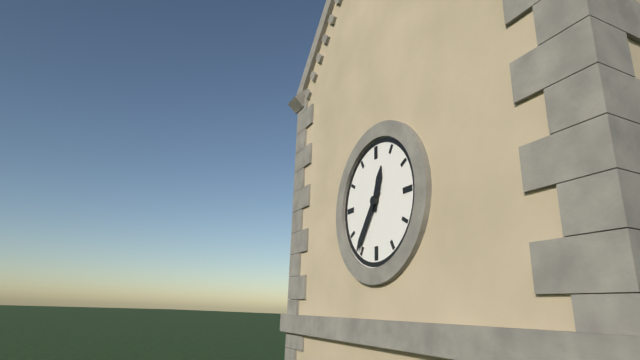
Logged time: 12,36
